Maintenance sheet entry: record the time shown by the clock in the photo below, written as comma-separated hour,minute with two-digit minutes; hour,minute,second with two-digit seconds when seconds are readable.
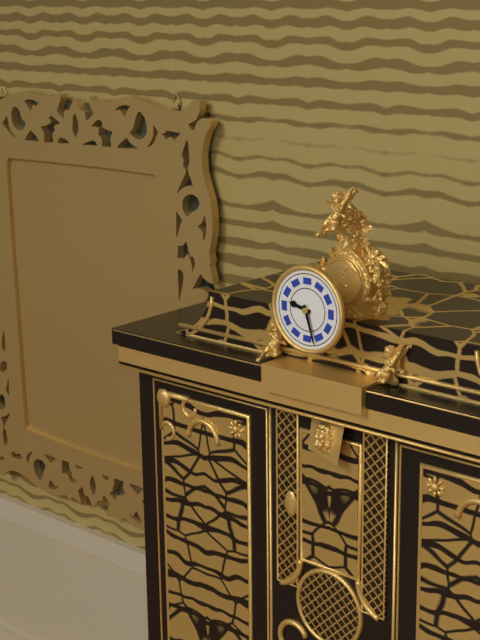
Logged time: 9,27
